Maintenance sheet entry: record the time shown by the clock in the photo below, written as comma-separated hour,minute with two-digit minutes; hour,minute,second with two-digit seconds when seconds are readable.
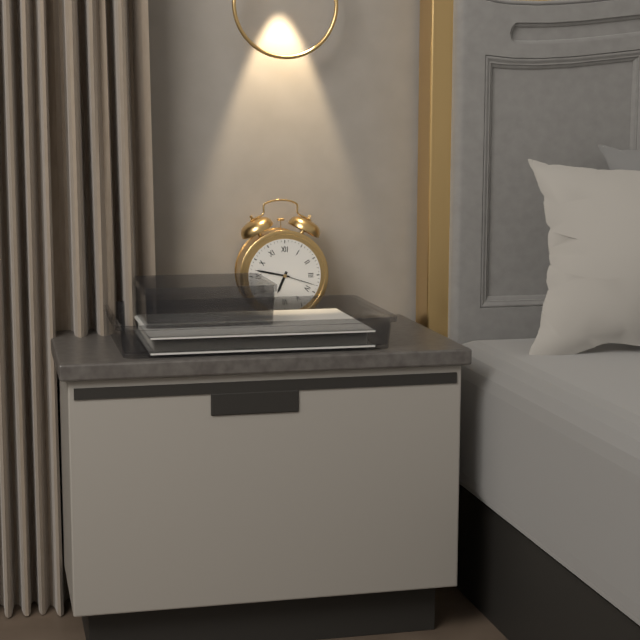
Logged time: 6,47
